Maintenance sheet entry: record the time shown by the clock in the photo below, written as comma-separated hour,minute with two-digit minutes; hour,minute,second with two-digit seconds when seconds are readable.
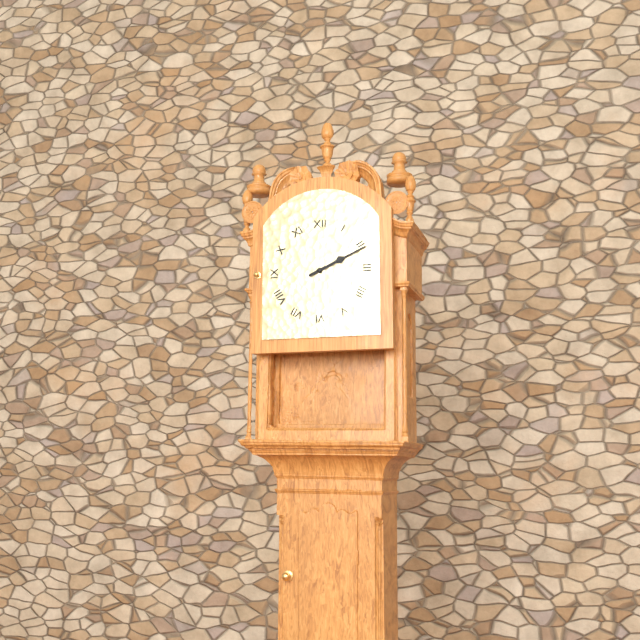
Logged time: 2,11
